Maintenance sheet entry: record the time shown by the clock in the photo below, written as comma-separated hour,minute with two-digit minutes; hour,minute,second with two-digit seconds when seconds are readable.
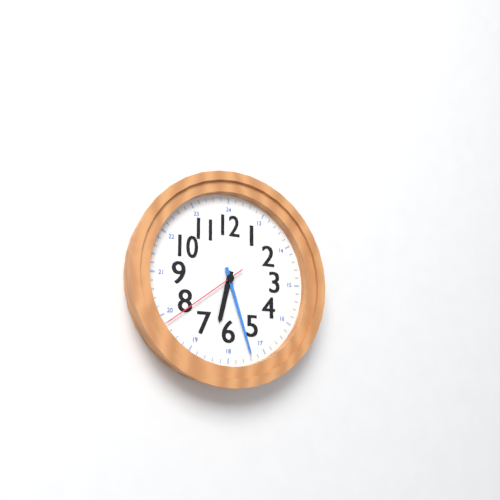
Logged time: 6,27,39
